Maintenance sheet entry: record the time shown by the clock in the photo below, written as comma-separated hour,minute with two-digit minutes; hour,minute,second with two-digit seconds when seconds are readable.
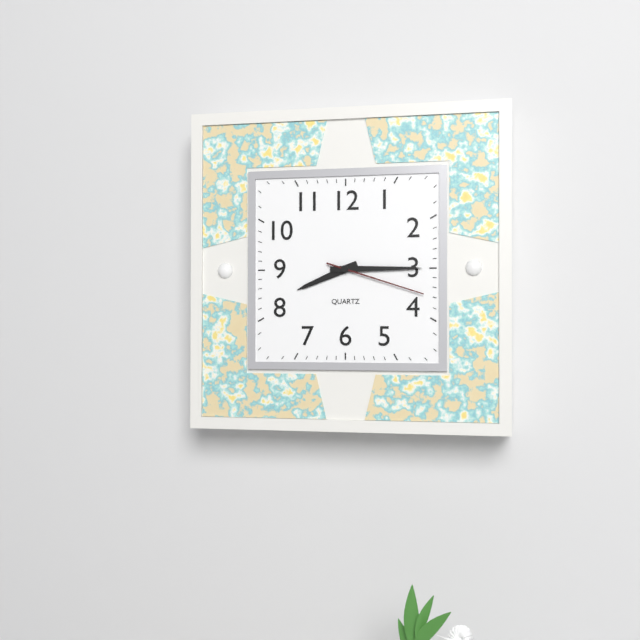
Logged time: 8,15,18
